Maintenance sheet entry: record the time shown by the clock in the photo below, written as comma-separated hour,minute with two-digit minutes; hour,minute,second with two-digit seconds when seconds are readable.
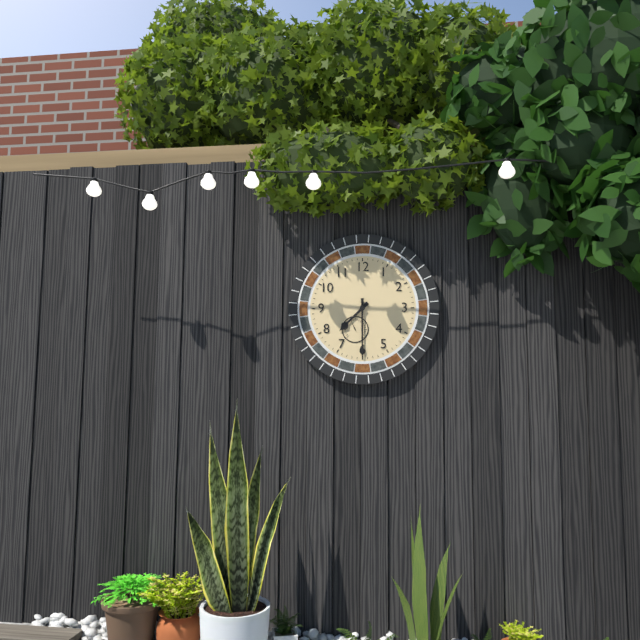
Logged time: 7,30
